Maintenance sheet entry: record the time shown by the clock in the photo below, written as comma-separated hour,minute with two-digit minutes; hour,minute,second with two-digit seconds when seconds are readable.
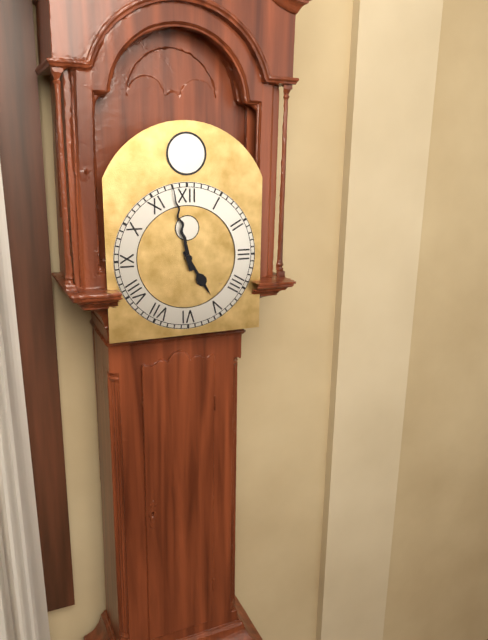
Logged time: 4,58
